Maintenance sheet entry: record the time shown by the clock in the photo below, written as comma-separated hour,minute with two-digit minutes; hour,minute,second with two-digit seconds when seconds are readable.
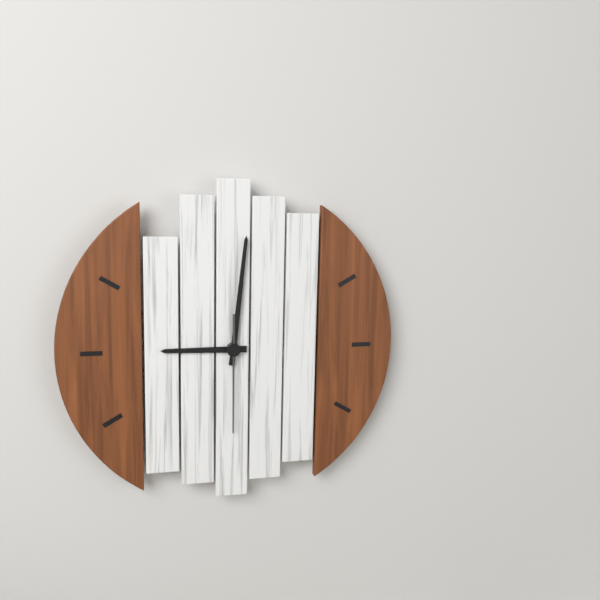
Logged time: 9,01,30
